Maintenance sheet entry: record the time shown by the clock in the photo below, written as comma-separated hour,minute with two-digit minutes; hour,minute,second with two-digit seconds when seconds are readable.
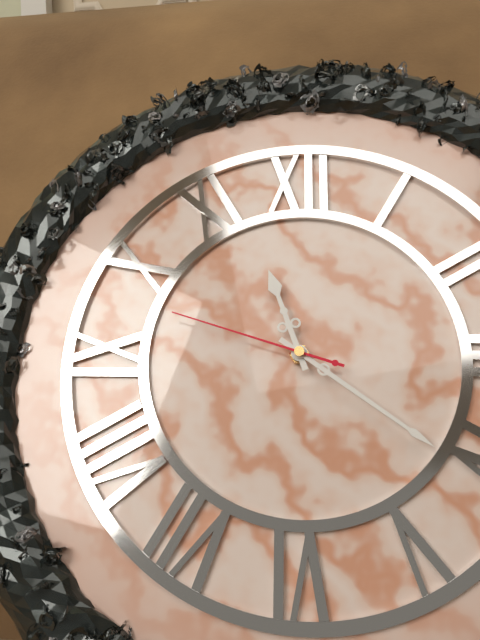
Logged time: 11,21,48
